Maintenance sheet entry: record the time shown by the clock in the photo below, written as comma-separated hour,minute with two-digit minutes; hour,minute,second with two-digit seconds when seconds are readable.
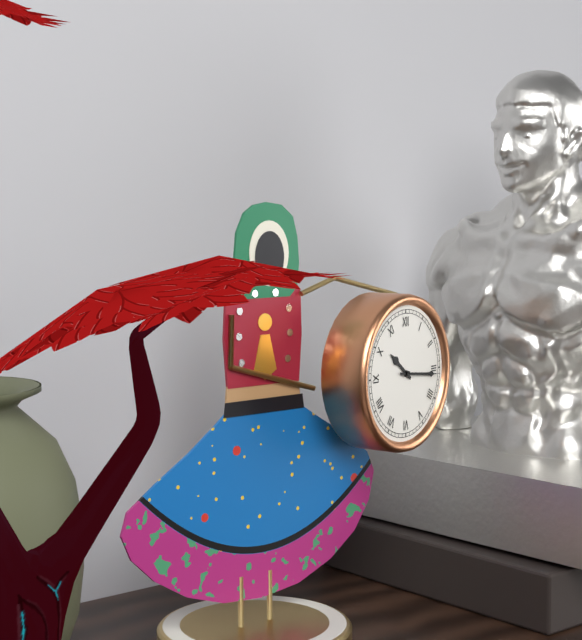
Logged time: 10,16
